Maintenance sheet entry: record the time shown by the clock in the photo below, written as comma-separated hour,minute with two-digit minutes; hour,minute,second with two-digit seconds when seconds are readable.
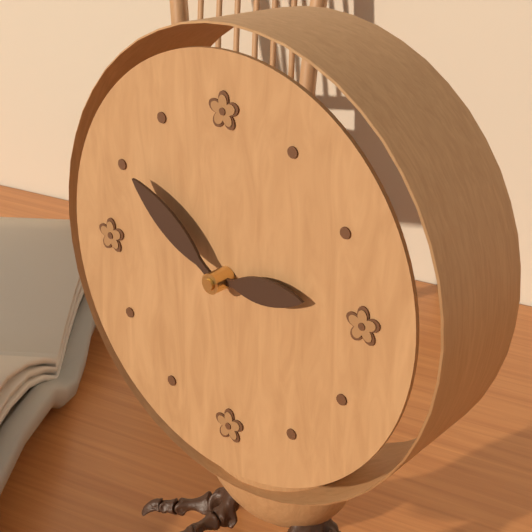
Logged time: 2,51
